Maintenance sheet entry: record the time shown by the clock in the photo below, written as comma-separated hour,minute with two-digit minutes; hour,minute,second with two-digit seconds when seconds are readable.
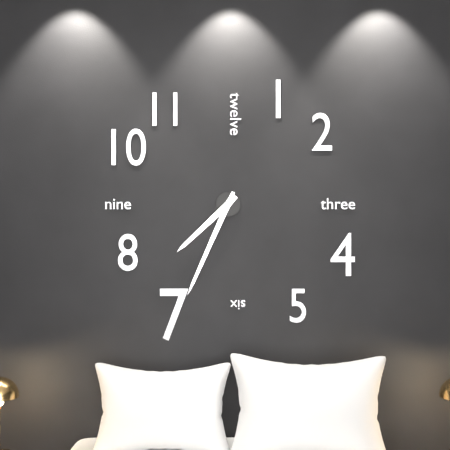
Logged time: 7,34
